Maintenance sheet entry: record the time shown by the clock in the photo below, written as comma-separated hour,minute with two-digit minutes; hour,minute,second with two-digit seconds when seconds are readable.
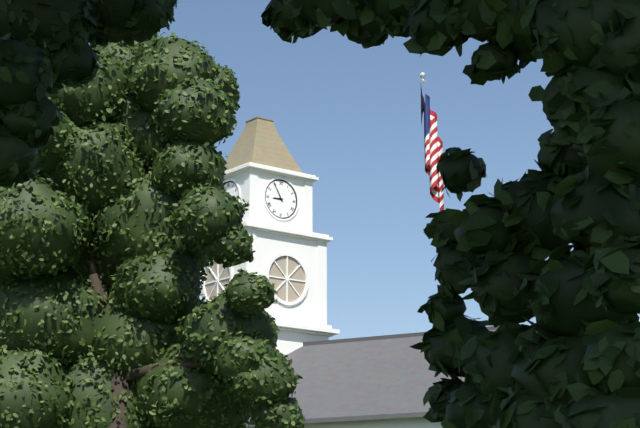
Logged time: 8,55
